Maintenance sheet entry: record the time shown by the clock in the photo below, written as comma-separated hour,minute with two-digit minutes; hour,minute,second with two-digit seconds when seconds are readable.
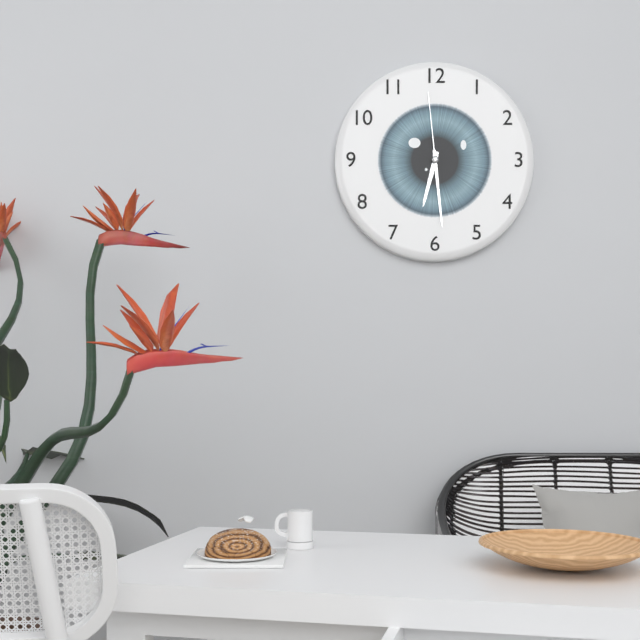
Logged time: 6,29,59
